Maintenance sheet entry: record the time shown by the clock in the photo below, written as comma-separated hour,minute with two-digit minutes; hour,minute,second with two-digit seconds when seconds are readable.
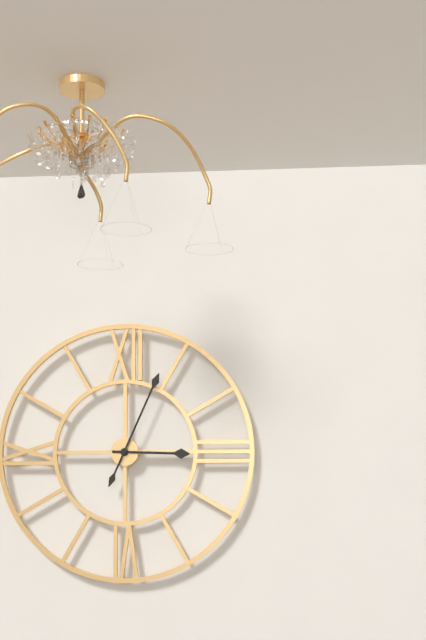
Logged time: 3,04
